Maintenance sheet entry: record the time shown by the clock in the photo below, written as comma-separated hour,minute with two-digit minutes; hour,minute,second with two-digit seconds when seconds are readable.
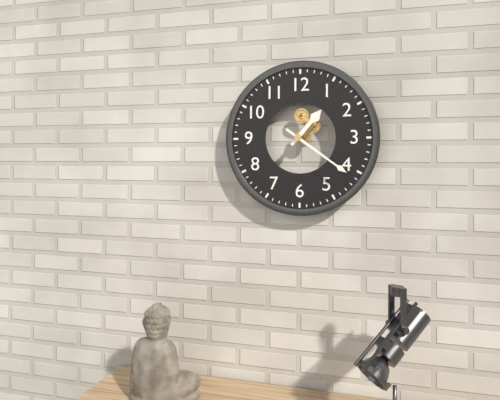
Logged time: 1,21
